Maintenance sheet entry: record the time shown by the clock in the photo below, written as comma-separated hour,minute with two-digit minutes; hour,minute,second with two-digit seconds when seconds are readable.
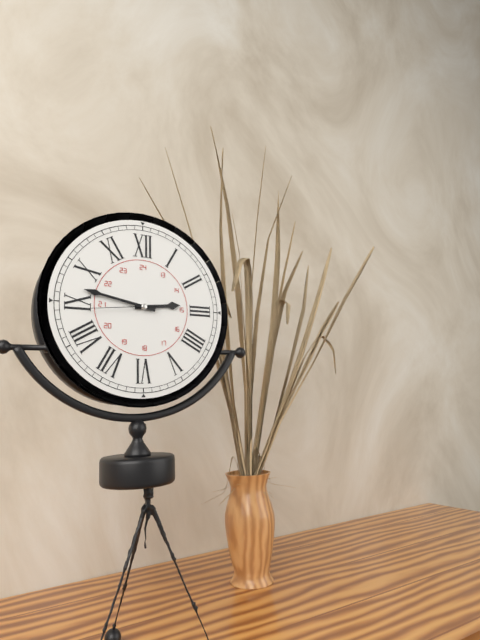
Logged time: 2,47,44
